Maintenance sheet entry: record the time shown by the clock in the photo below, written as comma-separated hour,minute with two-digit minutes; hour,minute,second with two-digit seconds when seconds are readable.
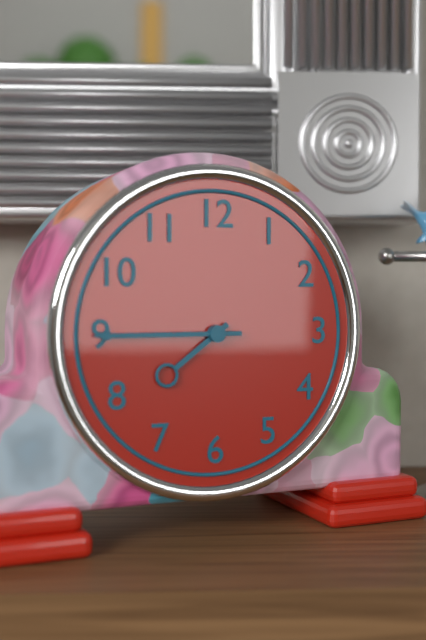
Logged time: 7,45
